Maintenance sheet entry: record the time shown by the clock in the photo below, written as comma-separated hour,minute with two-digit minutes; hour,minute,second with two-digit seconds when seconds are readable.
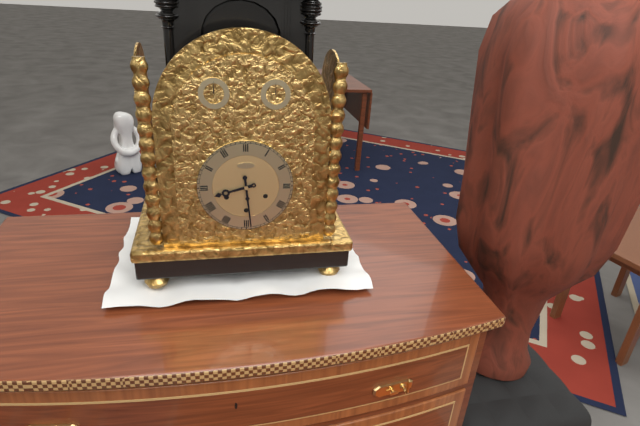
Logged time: 8,29
